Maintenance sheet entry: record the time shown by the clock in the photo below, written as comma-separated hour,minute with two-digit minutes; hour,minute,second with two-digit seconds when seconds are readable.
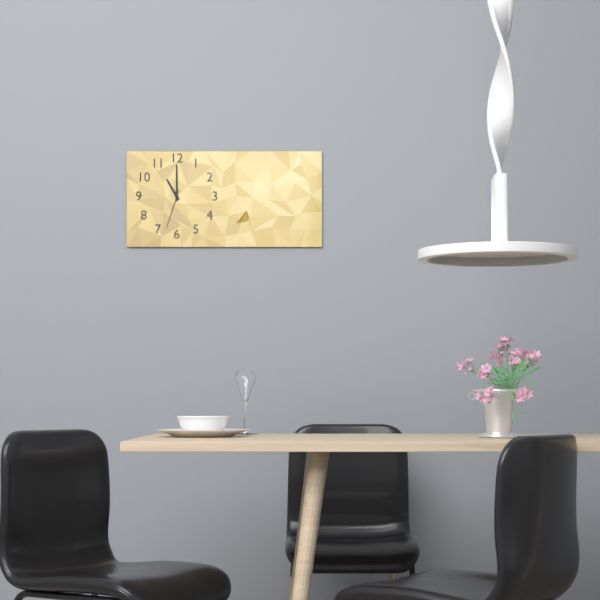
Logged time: 11,00
